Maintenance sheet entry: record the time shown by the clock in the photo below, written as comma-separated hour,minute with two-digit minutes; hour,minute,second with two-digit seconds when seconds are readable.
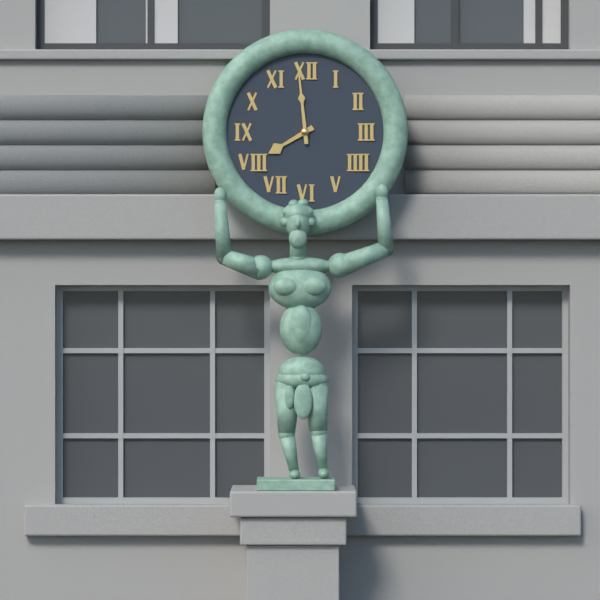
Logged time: 7,59
